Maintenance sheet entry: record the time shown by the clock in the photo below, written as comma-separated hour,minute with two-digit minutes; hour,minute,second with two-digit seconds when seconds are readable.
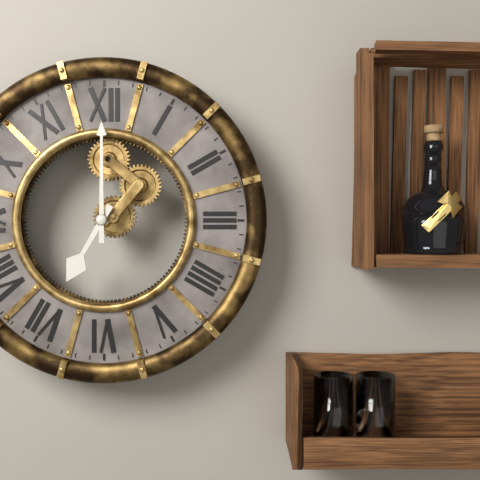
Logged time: 7,00
